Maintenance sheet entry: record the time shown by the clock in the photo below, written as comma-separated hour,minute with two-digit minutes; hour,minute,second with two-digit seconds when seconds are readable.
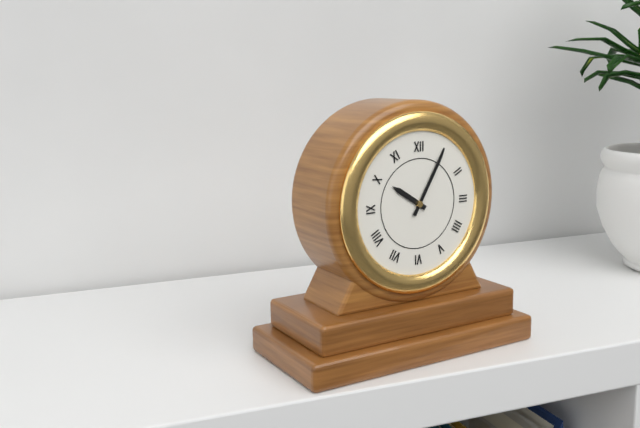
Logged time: 10,05
